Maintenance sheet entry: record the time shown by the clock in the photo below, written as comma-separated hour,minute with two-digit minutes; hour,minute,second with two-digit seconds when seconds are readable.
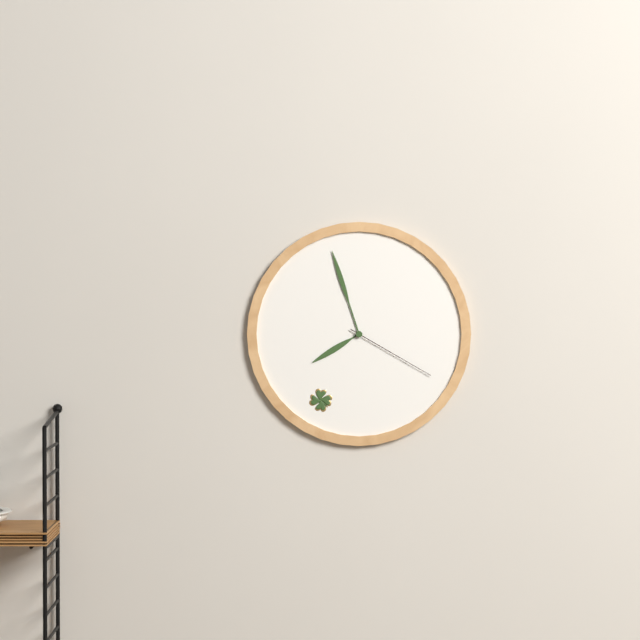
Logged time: 7,57,20
